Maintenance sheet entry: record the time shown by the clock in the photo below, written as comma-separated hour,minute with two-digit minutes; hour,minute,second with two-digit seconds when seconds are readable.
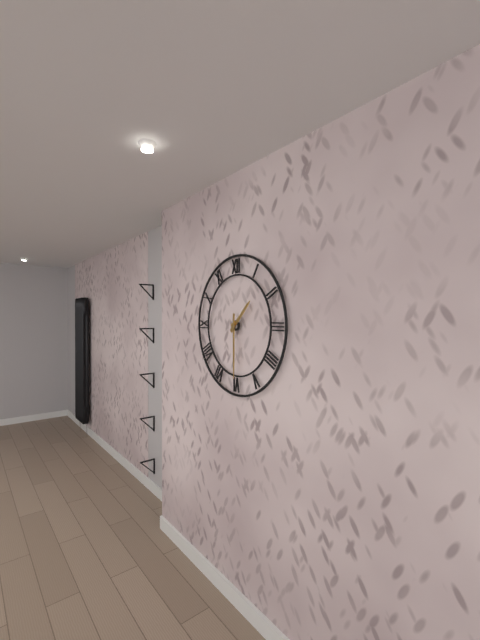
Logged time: 1,30
